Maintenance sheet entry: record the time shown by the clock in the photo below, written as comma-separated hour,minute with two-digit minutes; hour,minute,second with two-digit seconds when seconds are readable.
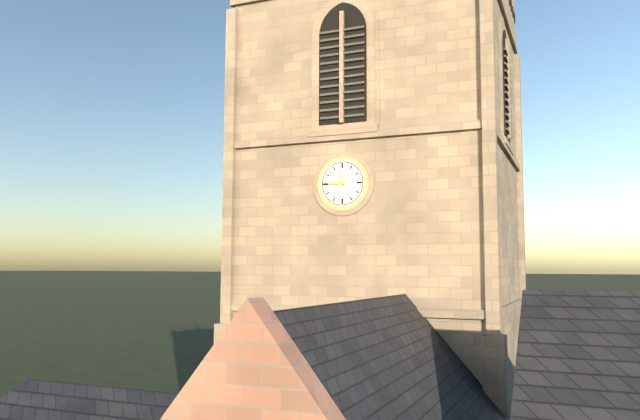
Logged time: 11,46
